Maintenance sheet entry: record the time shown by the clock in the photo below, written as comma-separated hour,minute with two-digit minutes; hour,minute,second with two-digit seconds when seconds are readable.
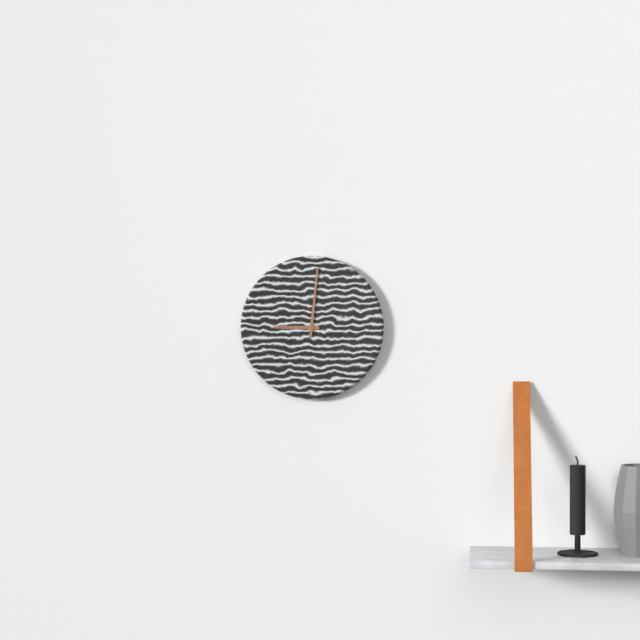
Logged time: 9,01
